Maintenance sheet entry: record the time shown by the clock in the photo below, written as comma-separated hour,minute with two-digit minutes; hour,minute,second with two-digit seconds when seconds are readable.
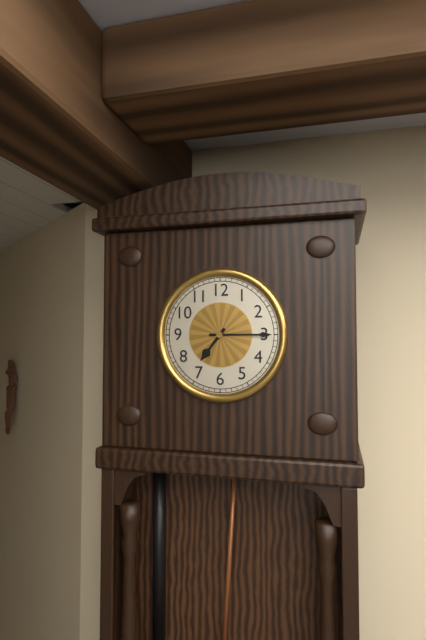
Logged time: 7,15
